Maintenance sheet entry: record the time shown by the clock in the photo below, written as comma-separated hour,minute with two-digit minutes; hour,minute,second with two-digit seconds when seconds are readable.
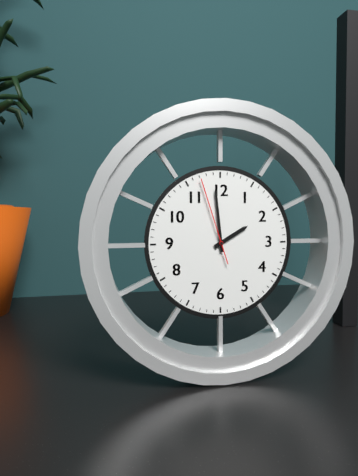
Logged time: 1,59,57
